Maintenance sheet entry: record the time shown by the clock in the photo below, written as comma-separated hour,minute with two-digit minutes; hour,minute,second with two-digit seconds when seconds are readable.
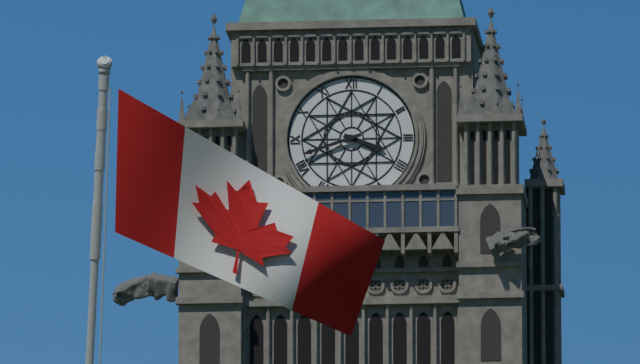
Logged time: 3,42
